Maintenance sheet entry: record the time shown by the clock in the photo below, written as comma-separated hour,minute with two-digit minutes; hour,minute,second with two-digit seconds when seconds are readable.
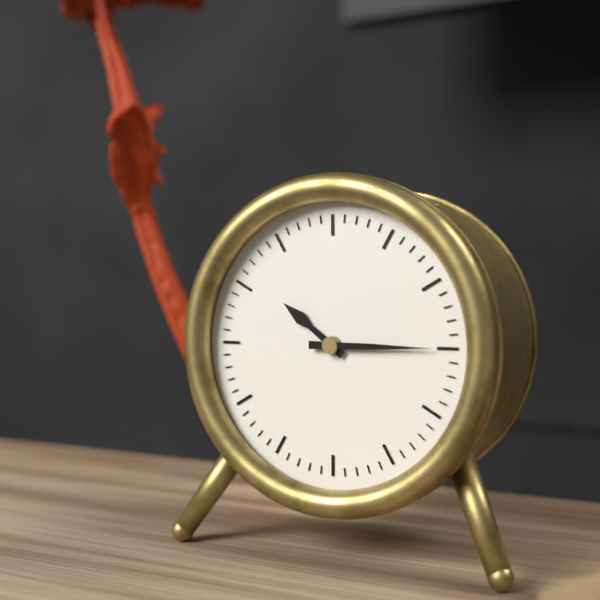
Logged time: 10,15
